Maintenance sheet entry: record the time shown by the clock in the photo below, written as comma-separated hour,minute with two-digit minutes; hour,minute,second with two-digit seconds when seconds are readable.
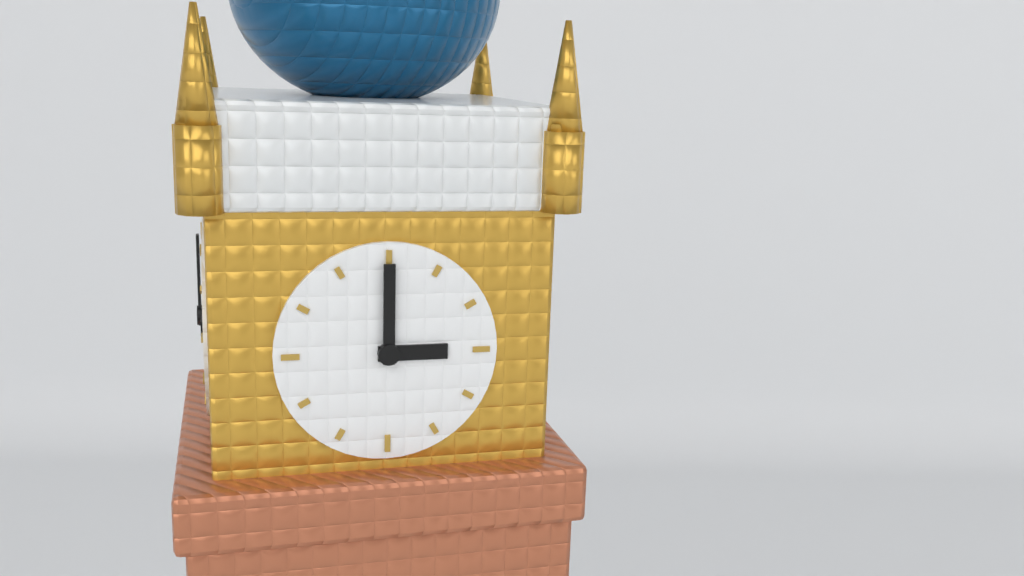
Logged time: 3,00
